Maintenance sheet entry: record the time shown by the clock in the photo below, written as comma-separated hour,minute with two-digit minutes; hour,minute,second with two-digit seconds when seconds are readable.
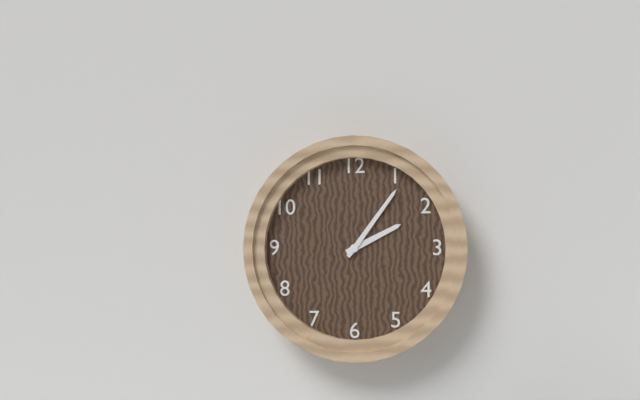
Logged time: 2,06
